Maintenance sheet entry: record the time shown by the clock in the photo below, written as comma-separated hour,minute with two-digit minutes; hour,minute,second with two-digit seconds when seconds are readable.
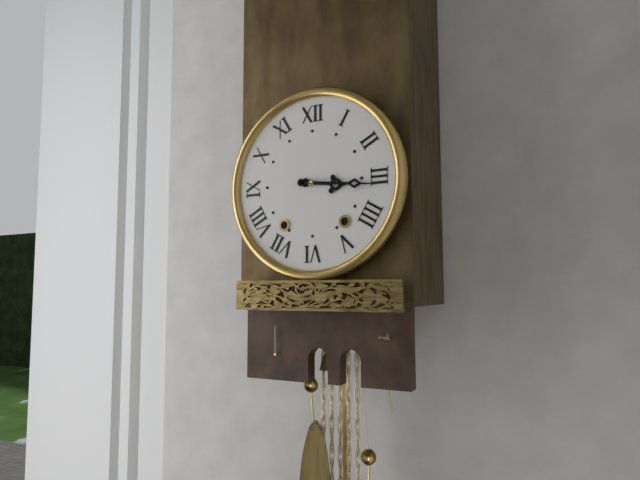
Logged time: 3,16
